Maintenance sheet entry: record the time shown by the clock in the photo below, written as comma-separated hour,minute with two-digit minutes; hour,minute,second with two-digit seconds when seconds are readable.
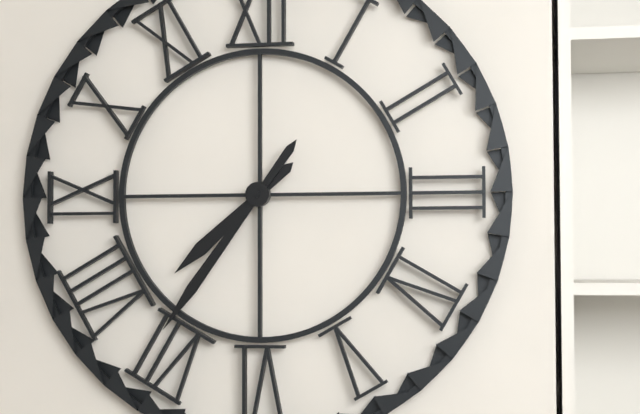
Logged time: 7,36
